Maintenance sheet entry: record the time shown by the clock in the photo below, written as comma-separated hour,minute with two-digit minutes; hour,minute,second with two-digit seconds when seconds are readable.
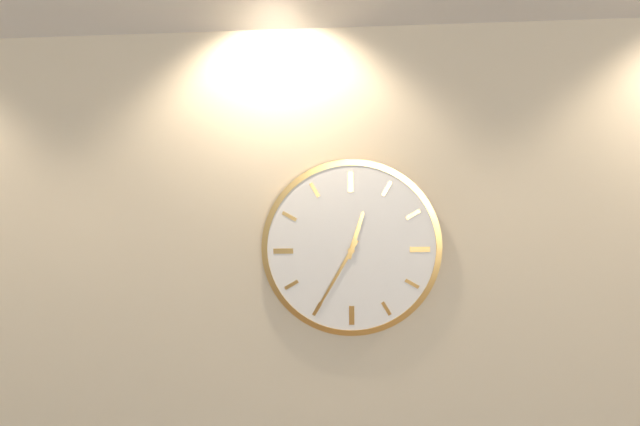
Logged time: 12,35
